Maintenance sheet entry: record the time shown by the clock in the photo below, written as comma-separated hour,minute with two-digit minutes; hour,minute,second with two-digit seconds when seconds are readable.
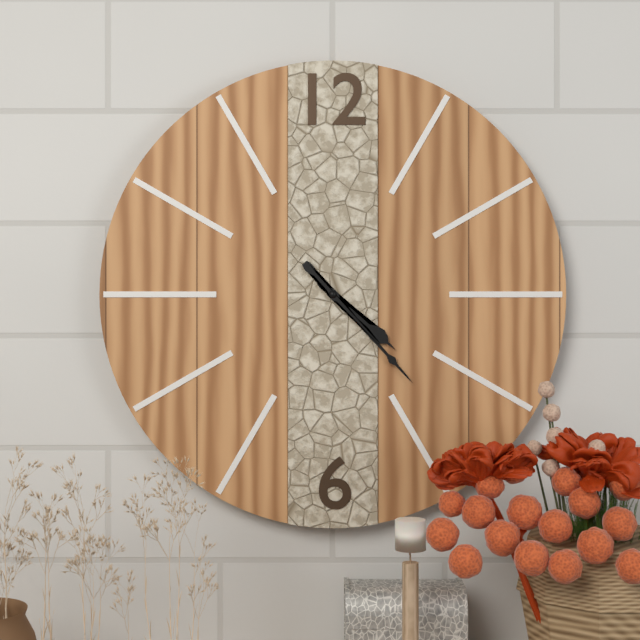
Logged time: 4,23
